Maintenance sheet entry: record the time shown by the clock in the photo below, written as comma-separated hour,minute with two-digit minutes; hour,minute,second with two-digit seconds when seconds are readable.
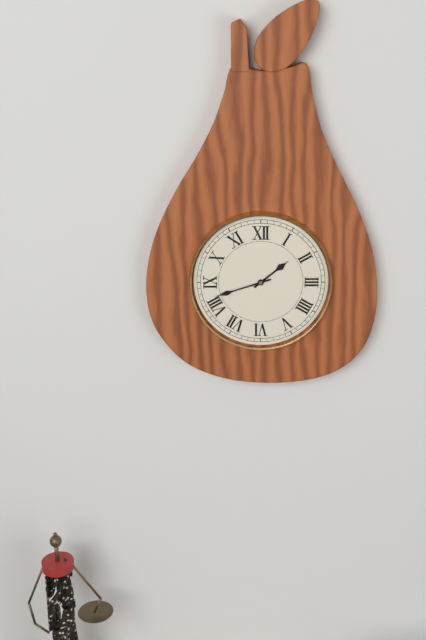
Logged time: 1,42
